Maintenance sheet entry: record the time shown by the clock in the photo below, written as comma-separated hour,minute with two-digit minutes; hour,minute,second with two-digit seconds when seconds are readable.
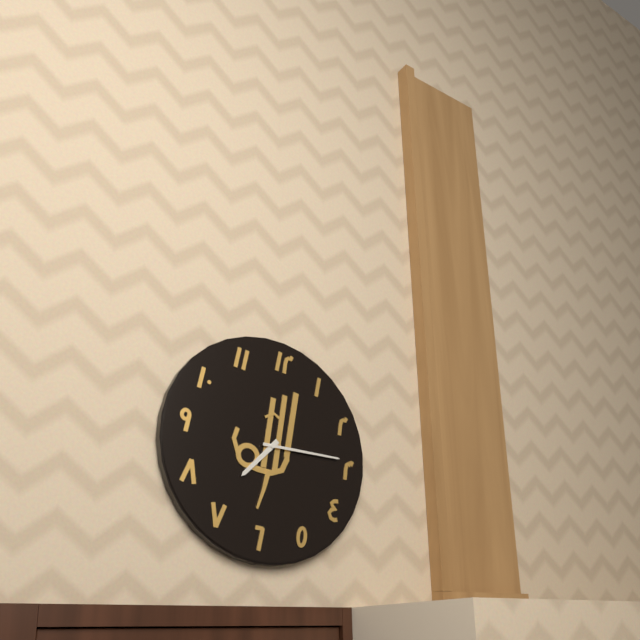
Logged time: 7,14
